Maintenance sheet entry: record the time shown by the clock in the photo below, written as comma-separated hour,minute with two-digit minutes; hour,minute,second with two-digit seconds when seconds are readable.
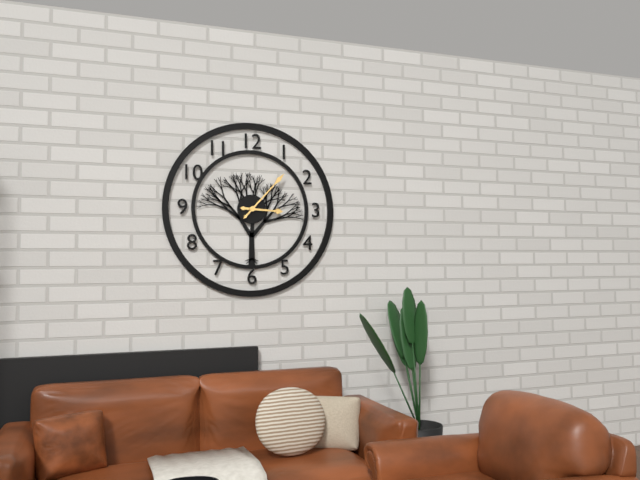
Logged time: 3,07
